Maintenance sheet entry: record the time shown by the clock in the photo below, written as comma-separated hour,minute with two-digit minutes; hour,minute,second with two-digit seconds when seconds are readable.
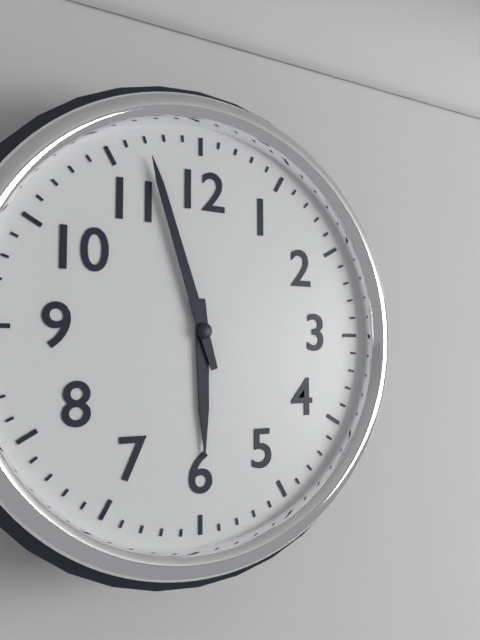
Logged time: 5,57
